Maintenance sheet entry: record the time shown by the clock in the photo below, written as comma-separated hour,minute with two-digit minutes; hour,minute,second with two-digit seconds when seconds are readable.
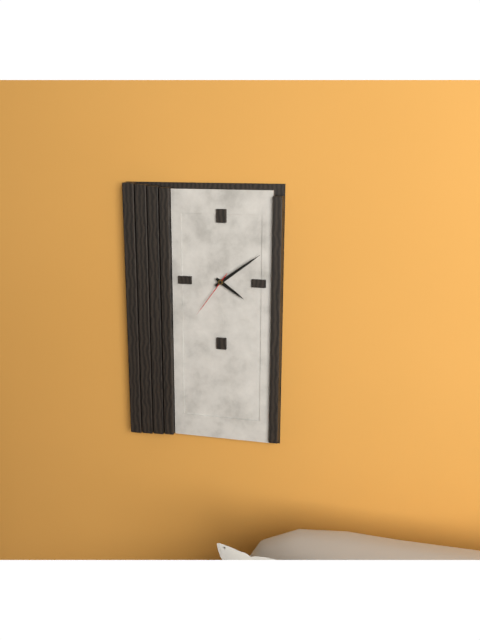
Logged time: 4,09,36
